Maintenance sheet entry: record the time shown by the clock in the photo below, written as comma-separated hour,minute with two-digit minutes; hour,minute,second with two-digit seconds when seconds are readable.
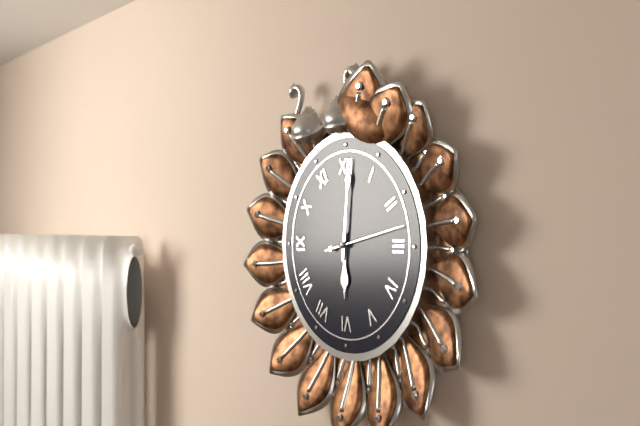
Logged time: 6,01,13
